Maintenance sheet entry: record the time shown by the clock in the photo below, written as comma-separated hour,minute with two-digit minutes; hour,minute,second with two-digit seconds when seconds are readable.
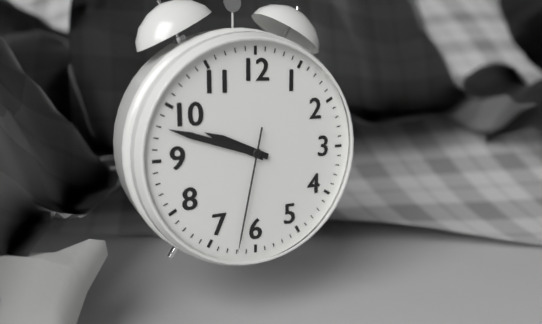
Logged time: 9,48,32
